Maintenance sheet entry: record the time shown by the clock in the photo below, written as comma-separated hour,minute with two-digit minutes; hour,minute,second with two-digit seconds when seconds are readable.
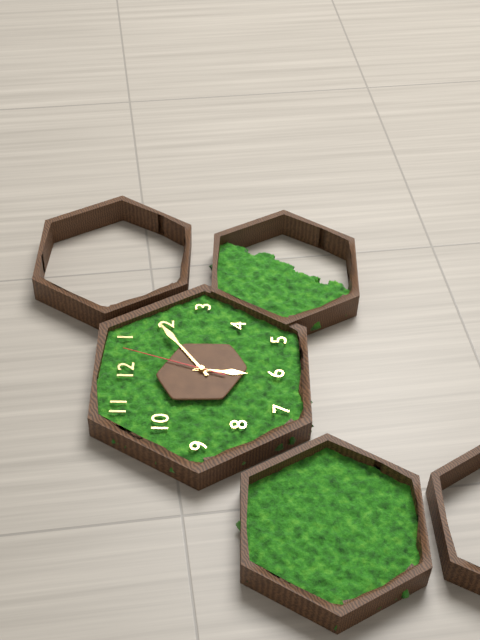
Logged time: 6,09,03
